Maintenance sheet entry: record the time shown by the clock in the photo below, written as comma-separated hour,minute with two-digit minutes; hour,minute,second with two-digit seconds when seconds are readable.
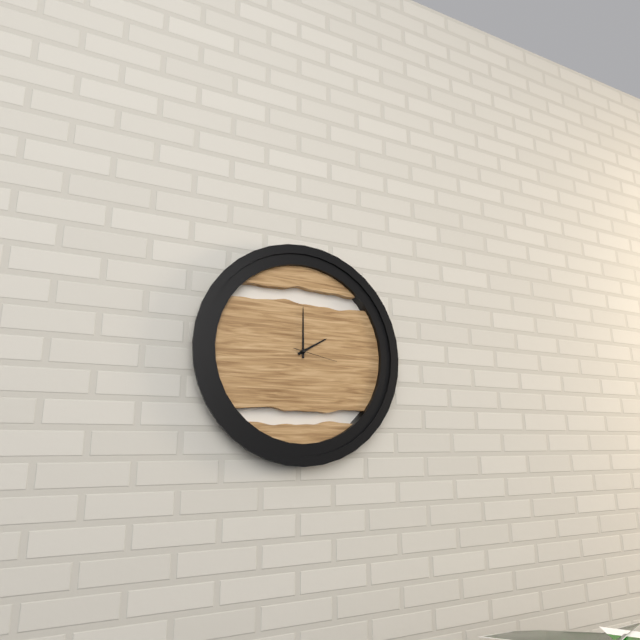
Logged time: 2,00,17
